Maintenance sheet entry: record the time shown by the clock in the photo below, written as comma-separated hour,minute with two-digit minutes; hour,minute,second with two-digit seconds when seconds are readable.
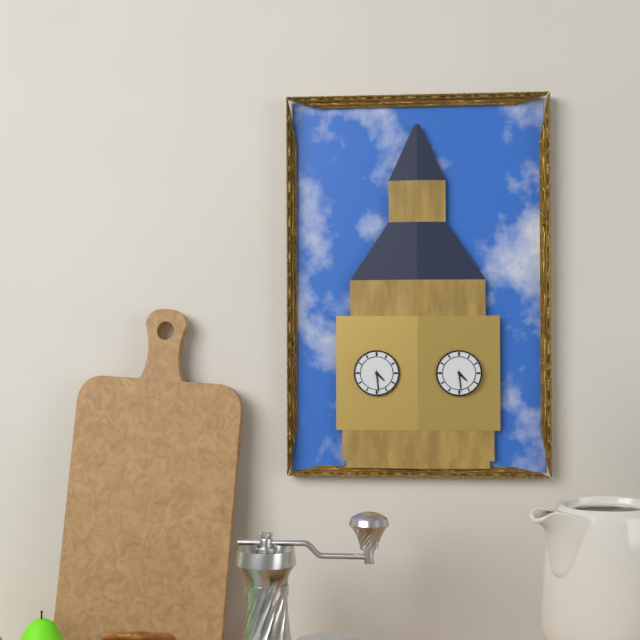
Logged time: 4,29
